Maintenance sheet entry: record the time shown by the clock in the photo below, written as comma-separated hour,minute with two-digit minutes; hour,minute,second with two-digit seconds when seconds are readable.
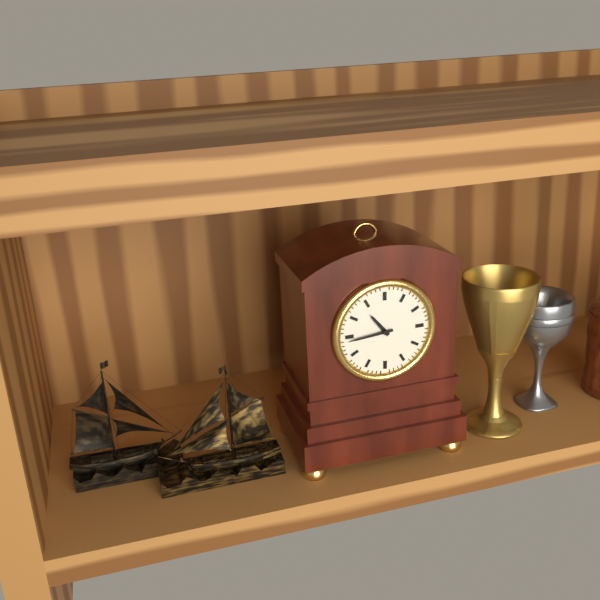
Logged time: 10,44
